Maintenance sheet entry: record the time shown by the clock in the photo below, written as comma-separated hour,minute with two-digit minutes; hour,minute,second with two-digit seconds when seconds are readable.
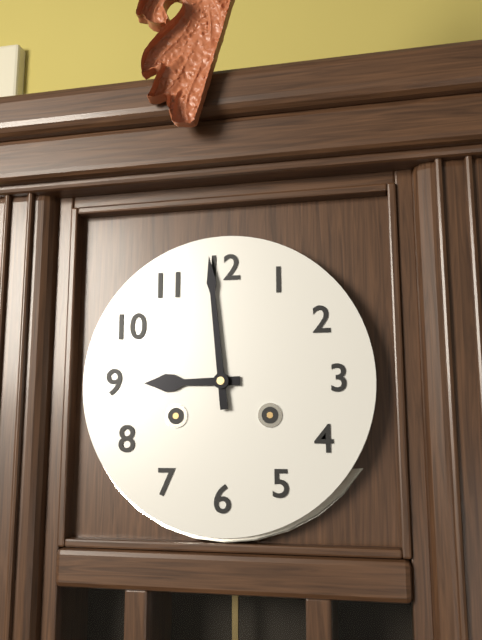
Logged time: 8,59
